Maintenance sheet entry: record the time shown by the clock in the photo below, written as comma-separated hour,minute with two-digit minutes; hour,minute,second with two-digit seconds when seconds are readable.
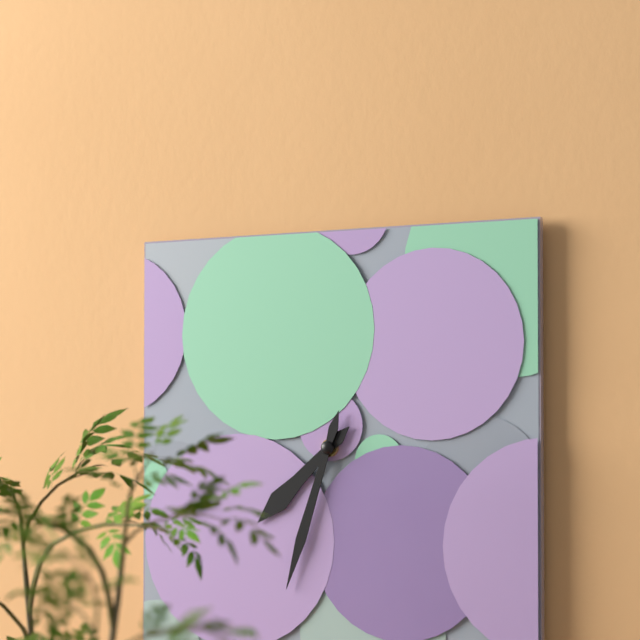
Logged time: 7,33
